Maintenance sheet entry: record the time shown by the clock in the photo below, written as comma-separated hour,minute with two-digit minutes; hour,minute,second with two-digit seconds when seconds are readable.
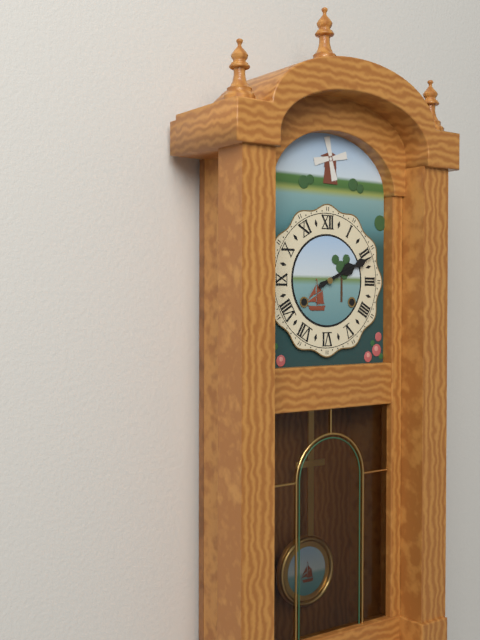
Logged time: 2,11
